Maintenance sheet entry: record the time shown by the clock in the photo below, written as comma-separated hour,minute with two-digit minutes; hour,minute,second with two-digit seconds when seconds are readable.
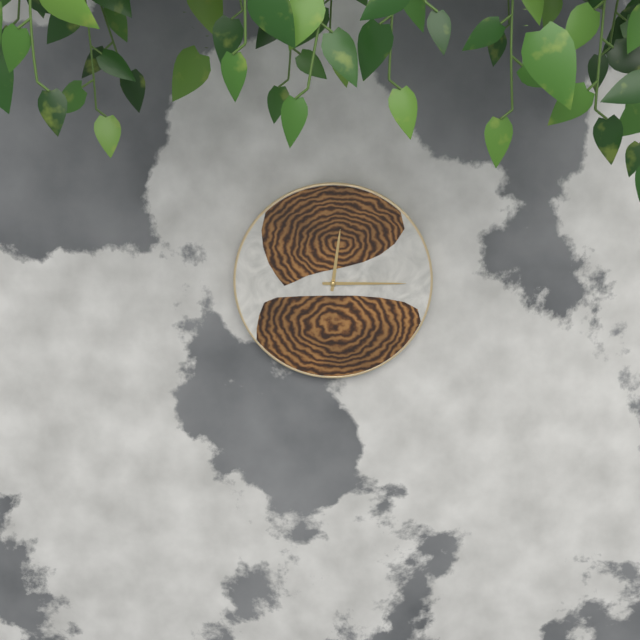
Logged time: 12,15
